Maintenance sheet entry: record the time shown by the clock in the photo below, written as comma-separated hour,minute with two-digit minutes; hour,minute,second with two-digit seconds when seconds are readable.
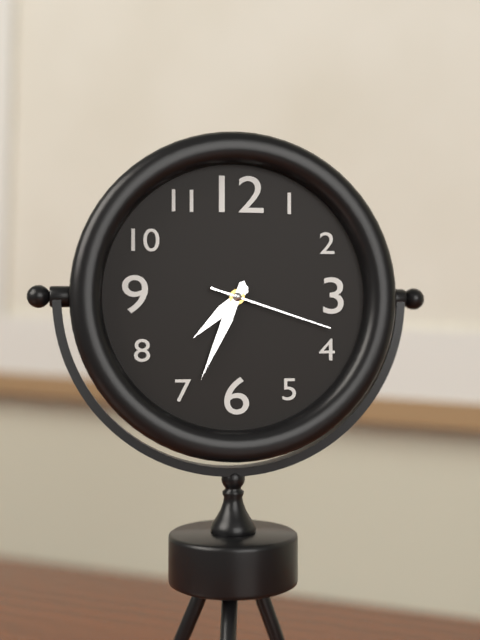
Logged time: 7,34,18
